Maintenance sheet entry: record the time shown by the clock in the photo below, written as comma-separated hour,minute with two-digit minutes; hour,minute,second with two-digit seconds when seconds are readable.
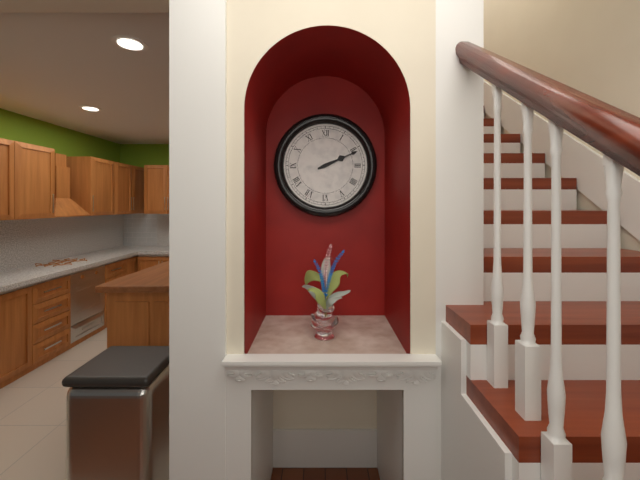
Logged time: 2,11
